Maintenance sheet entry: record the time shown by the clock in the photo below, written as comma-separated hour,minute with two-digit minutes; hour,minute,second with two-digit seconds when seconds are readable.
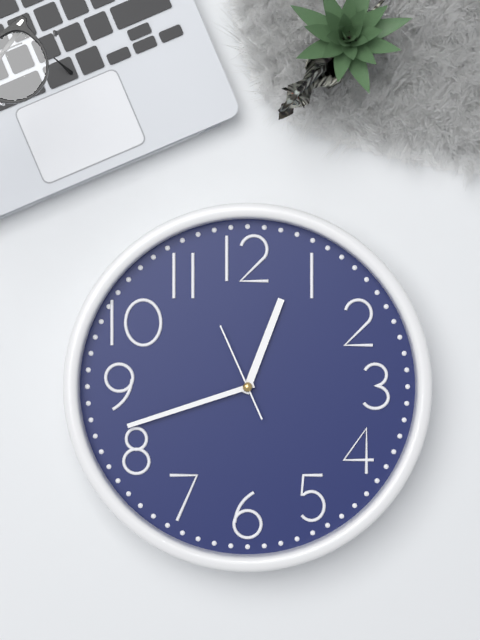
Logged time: 12,42,56
